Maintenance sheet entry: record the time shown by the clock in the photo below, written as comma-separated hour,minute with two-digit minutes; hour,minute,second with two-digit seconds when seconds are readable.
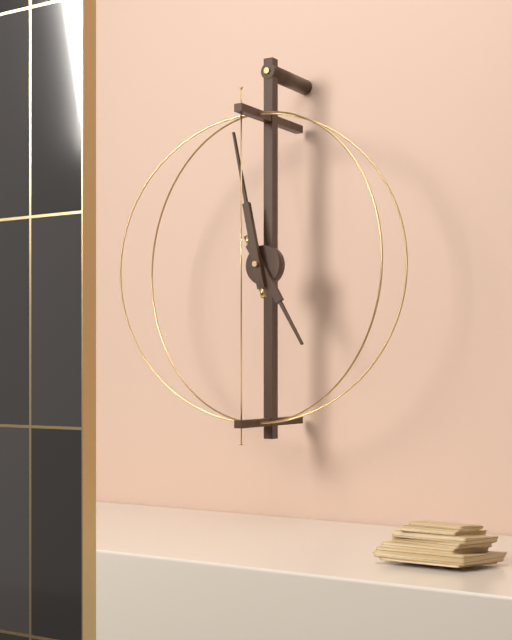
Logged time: 4,58
